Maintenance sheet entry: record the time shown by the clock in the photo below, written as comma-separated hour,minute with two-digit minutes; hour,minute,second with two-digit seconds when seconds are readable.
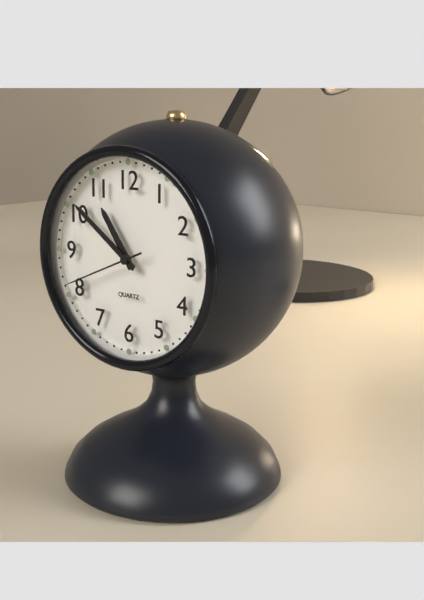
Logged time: 10,51,41
